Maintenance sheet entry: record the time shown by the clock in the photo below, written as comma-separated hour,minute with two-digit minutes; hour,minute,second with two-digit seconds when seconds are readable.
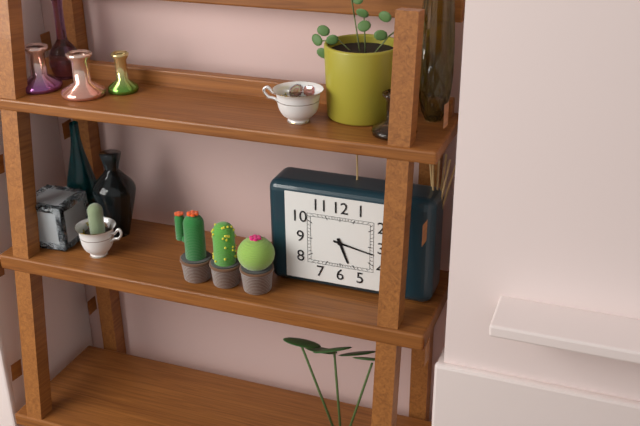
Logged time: 5,17
